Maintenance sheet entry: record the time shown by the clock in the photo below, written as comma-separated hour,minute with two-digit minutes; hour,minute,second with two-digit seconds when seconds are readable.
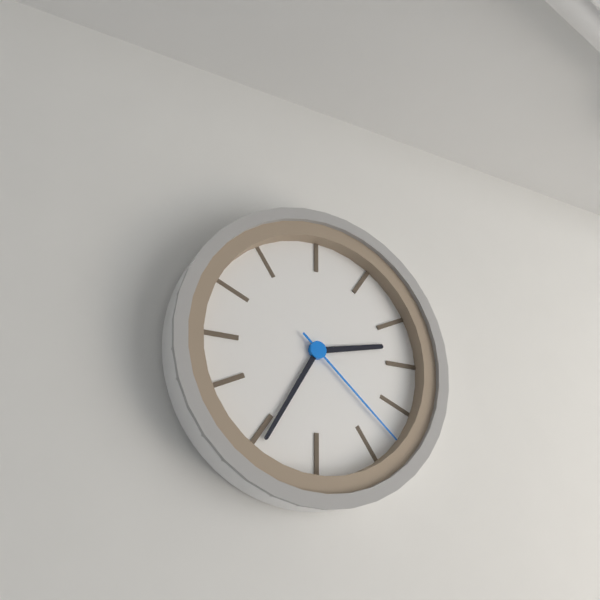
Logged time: 2,35,22
